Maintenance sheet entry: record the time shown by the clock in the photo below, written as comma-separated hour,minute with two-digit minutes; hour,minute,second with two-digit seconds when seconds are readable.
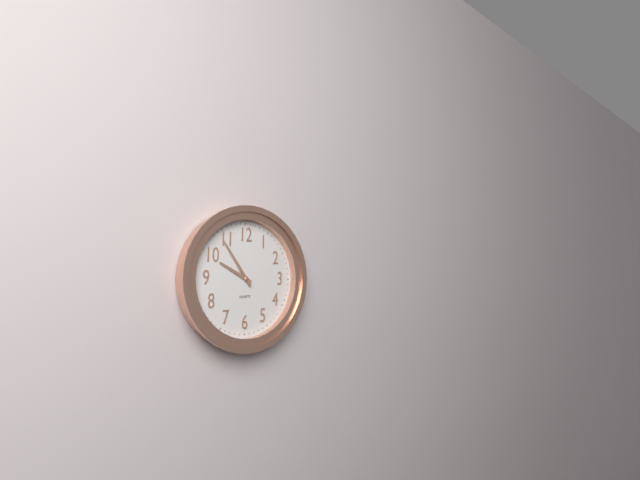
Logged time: 9,54
